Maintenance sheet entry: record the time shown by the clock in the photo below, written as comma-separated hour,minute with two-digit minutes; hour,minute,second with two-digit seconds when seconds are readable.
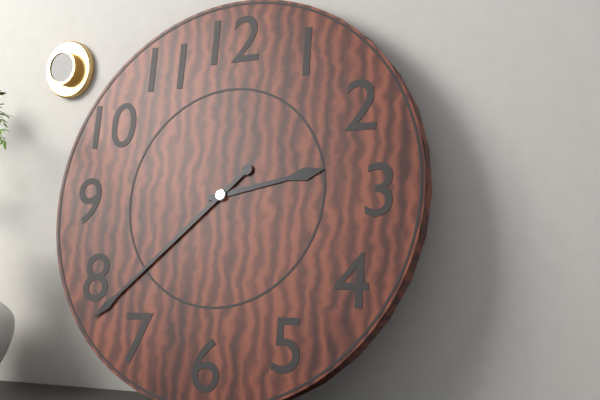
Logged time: 2,38
